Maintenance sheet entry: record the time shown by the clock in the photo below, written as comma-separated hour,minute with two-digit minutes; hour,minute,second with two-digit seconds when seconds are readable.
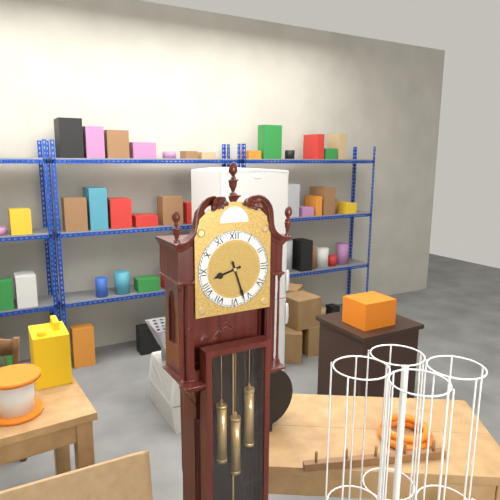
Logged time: 8,27
